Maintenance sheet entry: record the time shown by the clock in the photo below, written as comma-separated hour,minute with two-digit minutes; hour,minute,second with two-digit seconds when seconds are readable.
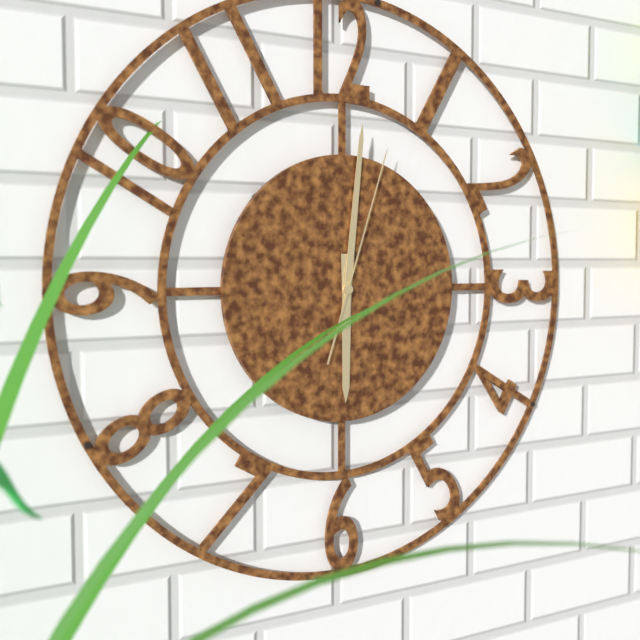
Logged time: 6,01,03
